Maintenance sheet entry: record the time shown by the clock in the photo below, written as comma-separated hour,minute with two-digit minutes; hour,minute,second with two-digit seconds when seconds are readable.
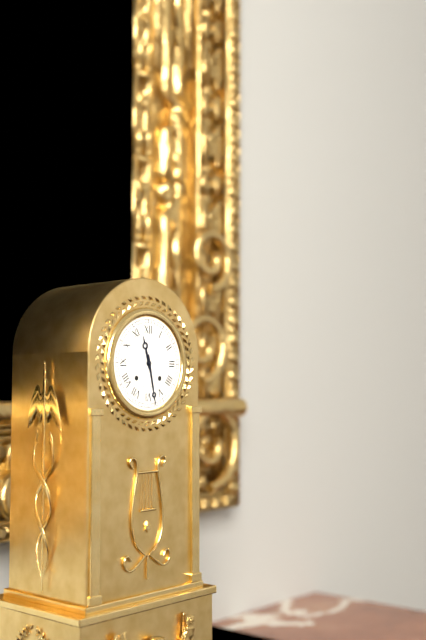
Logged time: 11,28
